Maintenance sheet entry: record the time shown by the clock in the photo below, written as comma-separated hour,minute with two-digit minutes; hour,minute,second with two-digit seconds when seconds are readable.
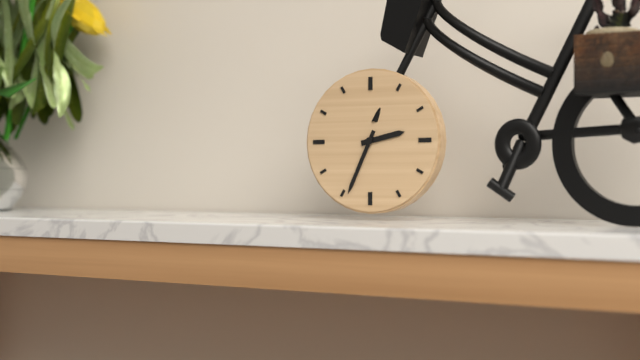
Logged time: 2,34
